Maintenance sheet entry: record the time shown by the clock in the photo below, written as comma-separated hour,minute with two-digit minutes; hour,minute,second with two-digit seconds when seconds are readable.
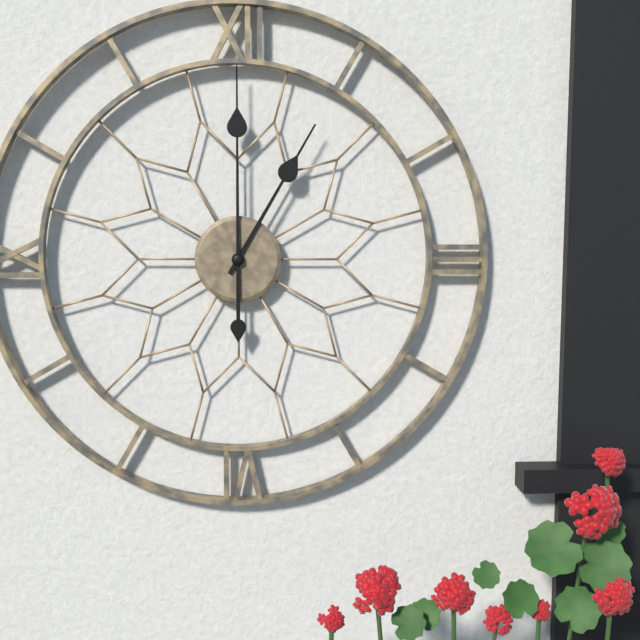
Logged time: 1,00
